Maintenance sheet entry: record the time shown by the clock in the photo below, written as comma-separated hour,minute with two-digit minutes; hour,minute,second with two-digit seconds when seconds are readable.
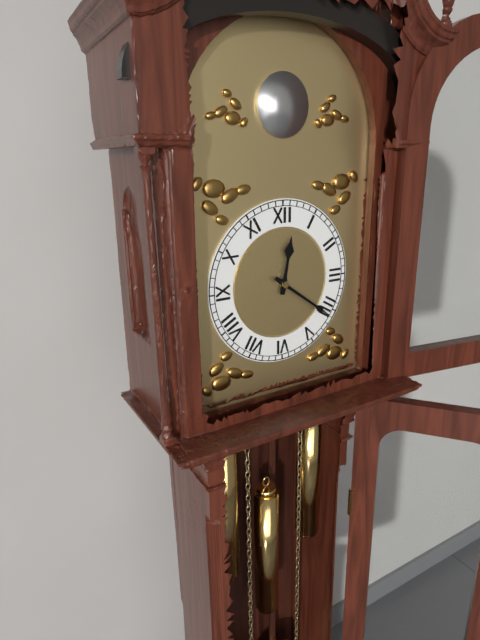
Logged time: 12,21
